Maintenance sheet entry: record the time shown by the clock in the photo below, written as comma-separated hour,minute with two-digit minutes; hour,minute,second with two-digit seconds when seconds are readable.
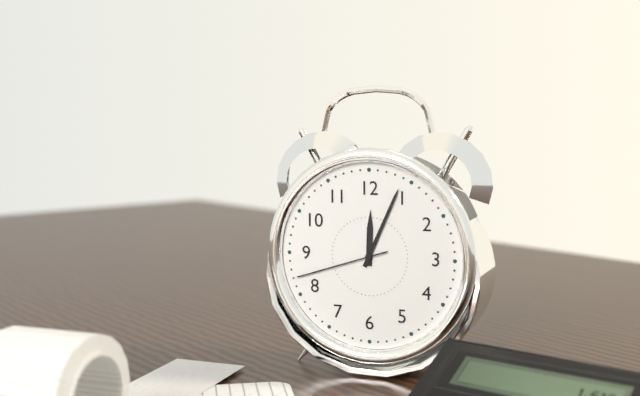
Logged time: 12,04,42
